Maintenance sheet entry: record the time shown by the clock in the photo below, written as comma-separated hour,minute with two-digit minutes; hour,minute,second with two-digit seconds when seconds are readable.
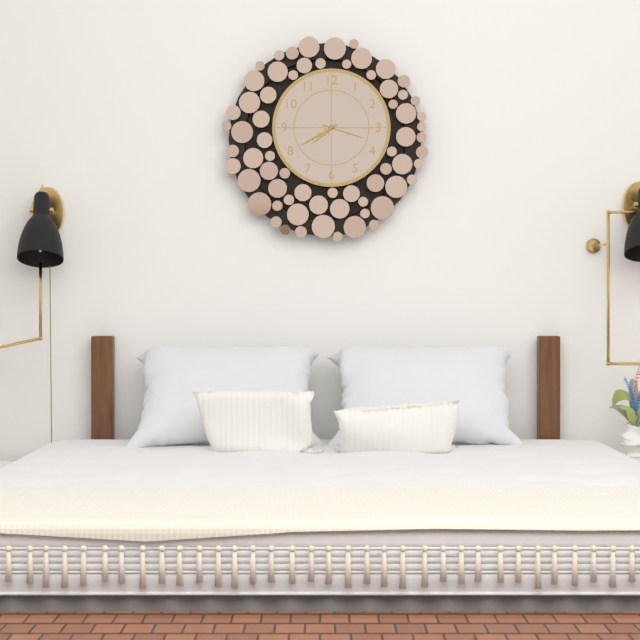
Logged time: 7,40
